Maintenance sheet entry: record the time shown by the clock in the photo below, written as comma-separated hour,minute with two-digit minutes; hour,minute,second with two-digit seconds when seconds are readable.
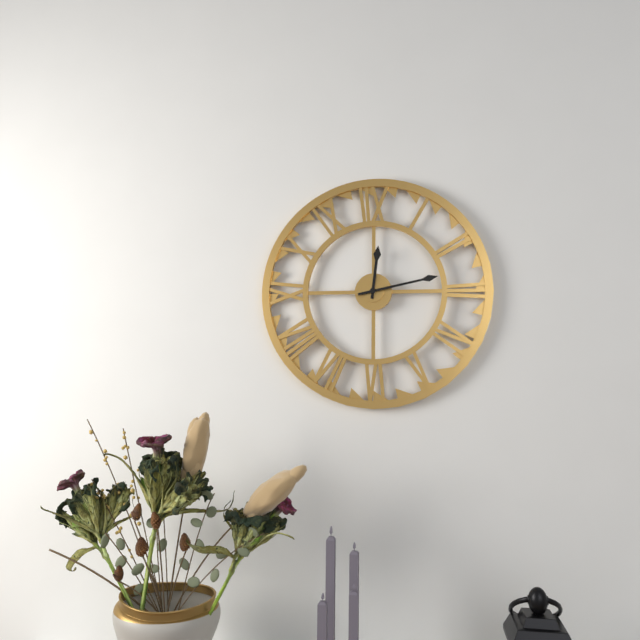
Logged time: 12,13
